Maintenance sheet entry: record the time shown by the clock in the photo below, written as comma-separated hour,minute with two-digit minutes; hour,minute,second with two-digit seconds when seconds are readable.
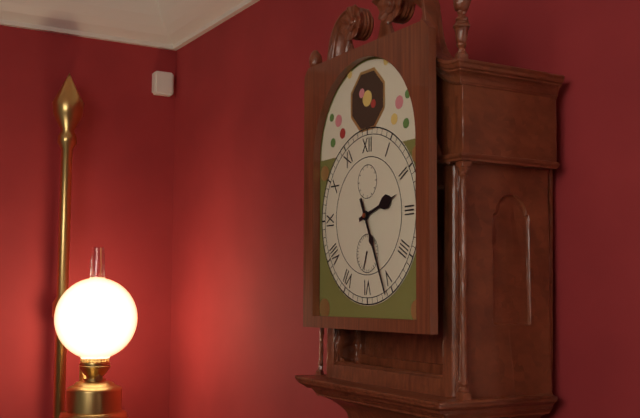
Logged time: 2,26
